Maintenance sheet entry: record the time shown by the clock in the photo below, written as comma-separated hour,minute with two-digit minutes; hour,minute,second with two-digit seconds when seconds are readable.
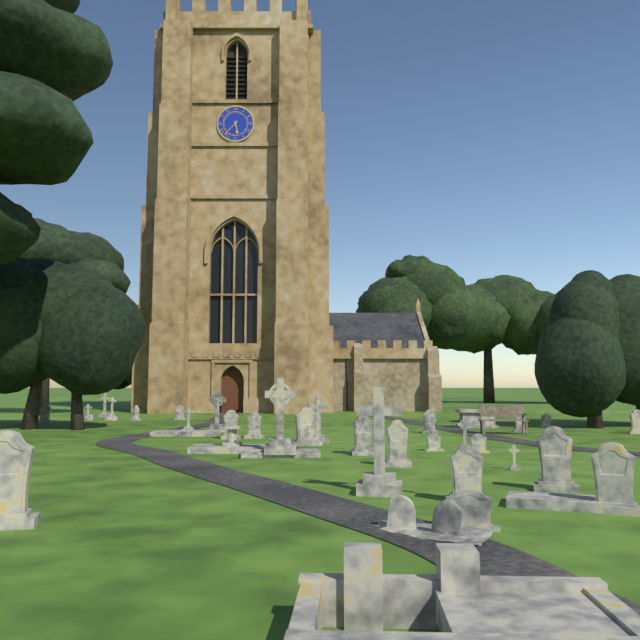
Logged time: 5,37
